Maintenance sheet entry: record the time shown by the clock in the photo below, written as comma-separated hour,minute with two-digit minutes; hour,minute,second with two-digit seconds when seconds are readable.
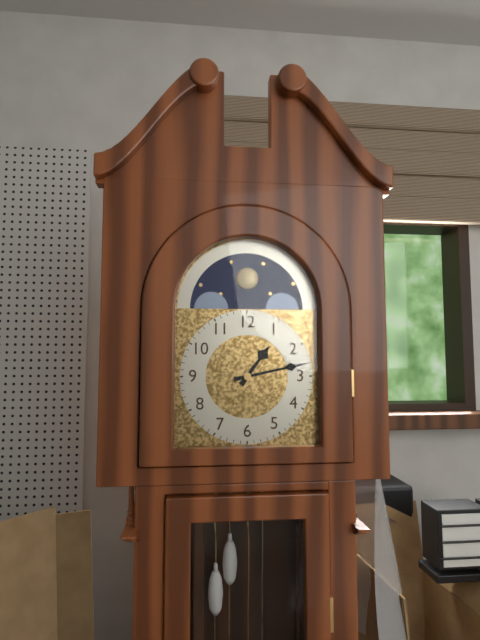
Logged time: 1,13
